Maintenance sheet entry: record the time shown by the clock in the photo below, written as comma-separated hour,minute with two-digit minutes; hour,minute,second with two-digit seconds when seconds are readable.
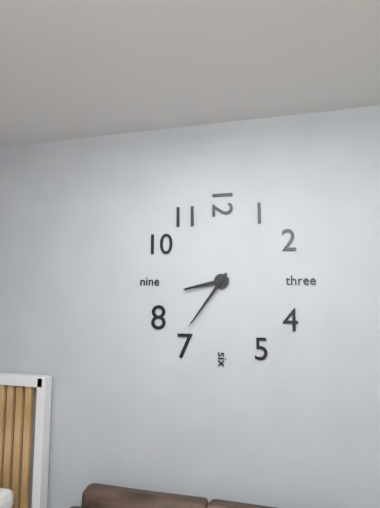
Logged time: 8,36
